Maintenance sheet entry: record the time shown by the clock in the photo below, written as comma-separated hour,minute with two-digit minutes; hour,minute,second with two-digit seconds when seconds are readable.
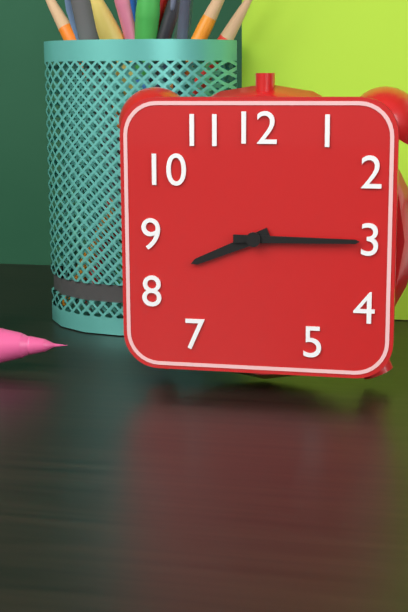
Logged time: 8,15
